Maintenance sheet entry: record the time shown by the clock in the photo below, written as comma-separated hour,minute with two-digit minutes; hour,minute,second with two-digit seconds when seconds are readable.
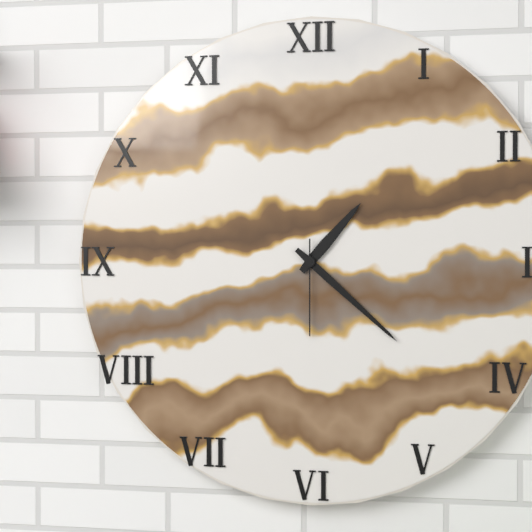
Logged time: 1,22,30
